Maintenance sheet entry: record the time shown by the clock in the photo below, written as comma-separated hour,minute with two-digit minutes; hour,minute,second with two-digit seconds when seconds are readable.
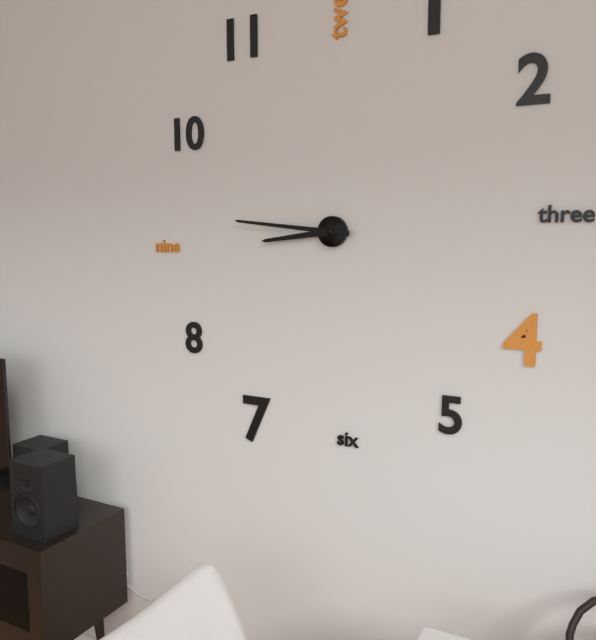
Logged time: 8,46
